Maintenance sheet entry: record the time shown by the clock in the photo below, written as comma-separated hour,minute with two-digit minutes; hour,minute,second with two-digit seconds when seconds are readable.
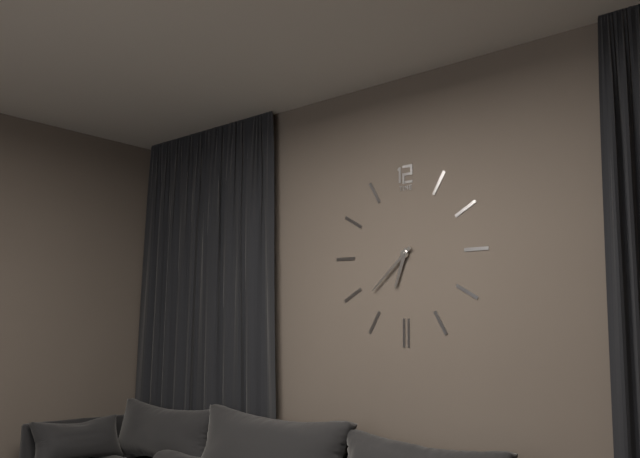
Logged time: 6,38
